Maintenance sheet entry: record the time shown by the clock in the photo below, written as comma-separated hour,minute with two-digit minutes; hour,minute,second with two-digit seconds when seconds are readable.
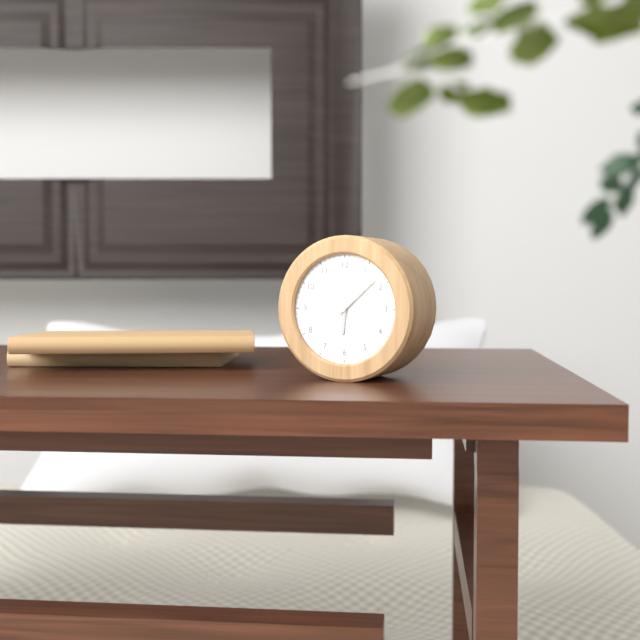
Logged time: 6,08,55
